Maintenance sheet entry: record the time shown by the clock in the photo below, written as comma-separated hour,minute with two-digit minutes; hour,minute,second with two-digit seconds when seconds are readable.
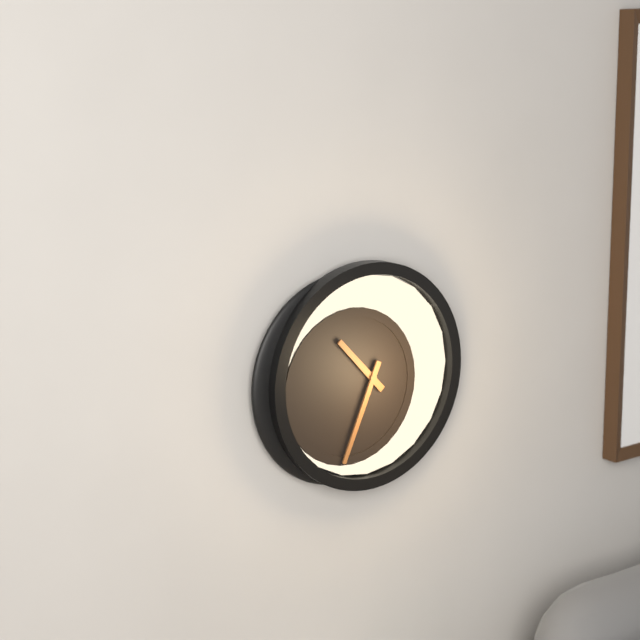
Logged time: 10,34
